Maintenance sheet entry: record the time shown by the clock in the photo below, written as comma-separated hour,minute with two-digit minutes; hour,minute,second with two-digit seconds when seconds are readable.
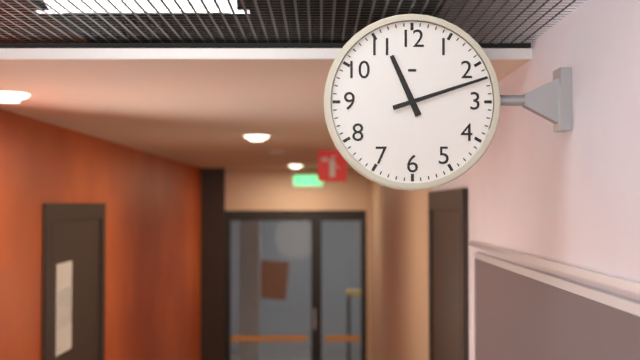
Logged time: 11,12
